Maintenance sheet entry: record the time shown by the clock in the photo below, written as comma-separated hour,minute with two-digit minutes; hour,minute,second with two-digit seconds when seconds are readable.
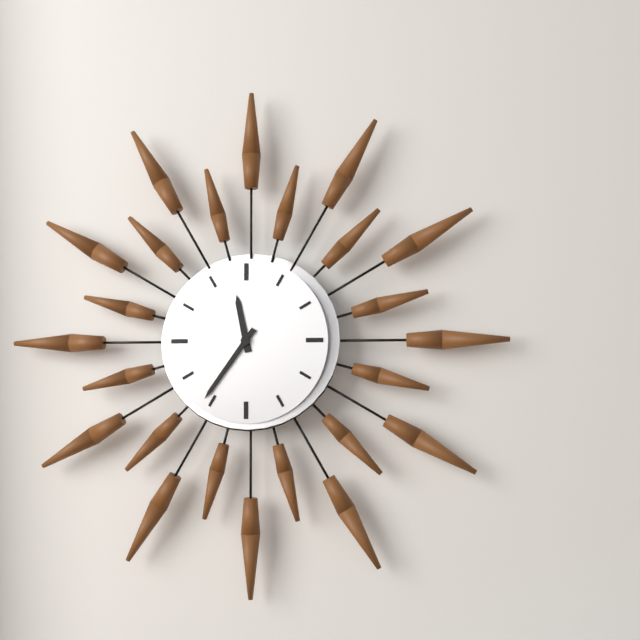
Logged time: 11,36
